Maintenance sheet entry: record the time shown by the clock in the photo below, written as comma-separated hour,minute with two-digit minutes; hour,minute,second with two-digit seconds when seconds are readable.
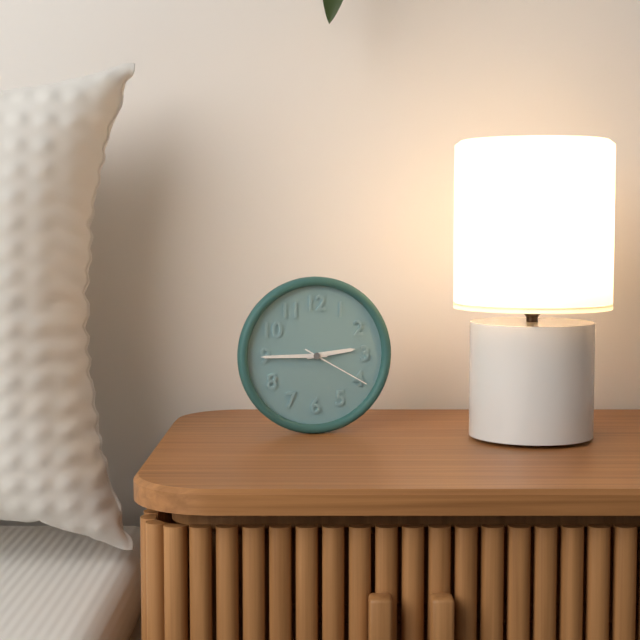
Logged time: 2,45,20
